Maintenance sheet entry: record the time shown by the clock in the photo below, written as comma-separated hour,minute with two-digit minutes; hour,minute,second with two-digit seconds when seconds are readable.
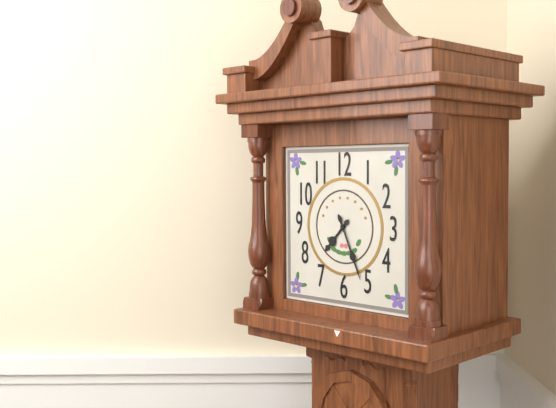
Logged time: 7,26
